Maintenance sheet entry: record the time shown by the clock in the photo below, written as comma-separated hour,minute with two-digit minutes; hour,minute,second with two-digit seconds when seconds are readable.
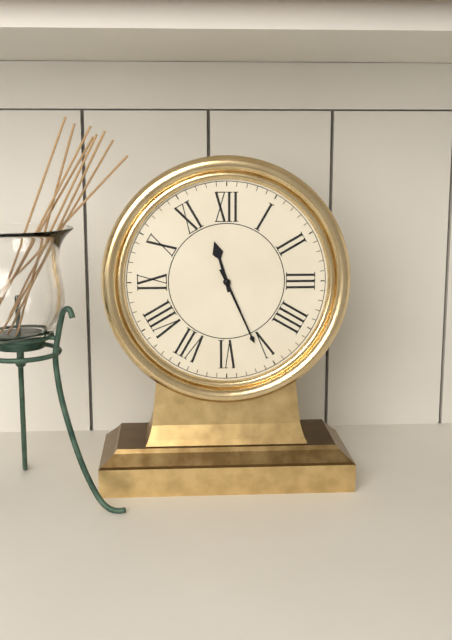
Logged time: 11,26
